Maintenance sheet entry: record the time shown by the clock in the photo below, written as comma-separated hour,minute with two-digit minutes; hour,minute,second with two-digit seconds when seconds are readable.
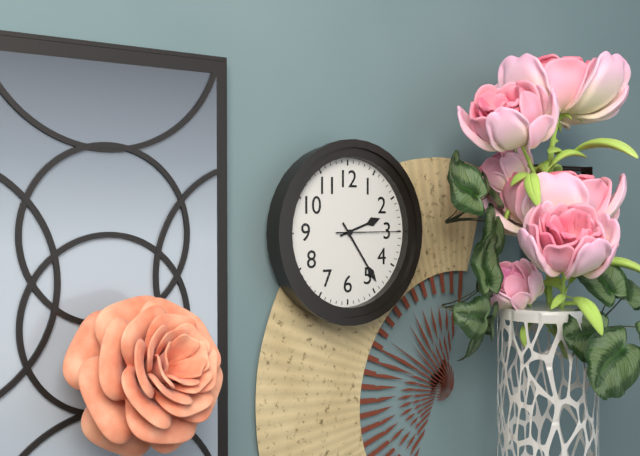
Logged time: 2,24,15
